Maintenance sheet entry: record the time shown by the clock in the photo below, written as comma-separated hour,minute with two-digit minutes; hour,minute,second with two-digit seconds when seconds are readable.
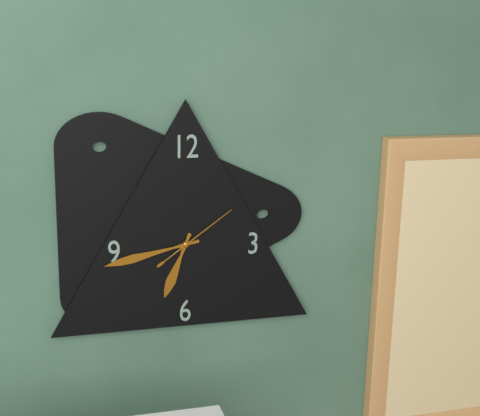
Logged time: 6,43,09
